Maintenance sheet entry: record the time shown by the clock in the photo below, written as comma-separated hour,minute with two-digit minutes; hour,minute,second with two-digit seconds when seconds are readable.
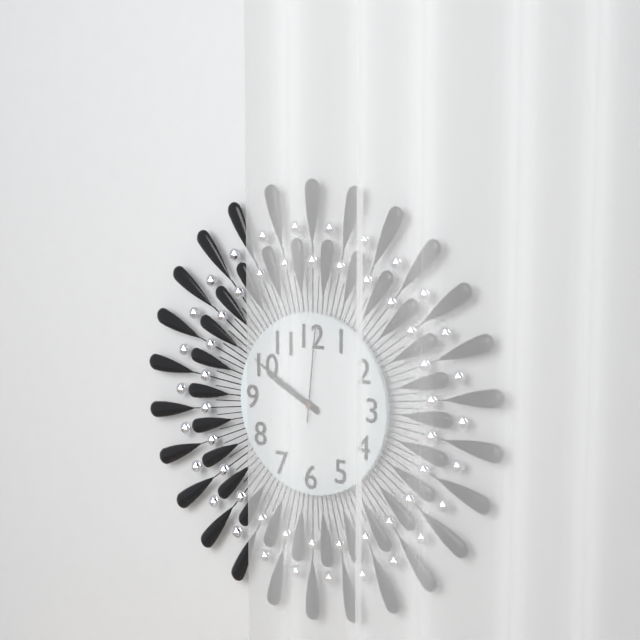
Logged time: 9,50,01
